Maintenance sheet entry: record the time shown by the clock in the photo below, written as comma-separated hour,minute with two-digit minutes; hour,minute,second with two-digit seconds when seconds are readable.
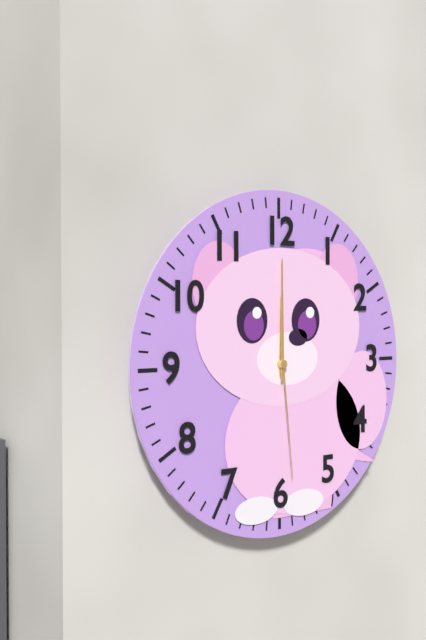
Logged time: 12,00,29
